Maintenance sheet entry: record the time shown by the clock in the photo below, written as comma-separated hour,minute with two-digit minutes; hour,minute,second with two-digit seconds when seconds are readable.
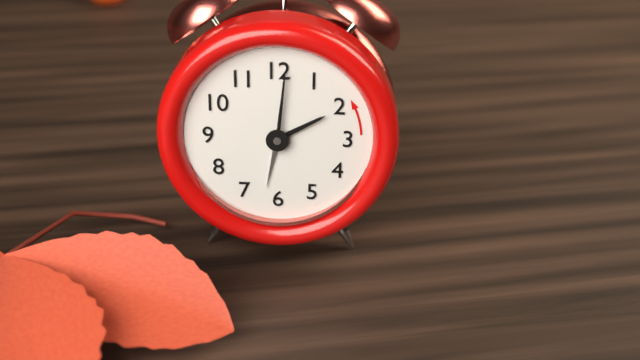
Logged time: 2,01,32
